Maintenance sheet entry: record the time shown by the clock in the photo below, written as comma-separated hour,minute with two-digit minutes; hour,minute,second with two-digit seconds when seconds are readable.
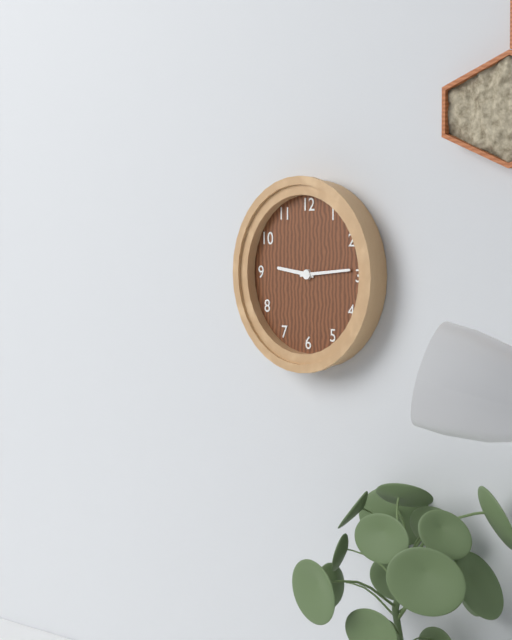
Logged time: 9,14
